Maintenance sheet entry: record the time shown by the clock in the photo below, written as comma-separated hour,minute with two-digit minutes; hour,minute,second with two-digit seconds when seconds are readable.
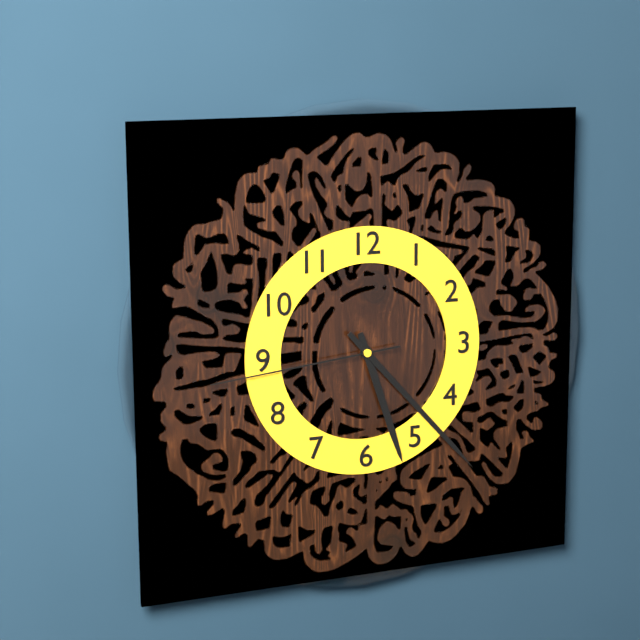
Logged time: 5,23,44
